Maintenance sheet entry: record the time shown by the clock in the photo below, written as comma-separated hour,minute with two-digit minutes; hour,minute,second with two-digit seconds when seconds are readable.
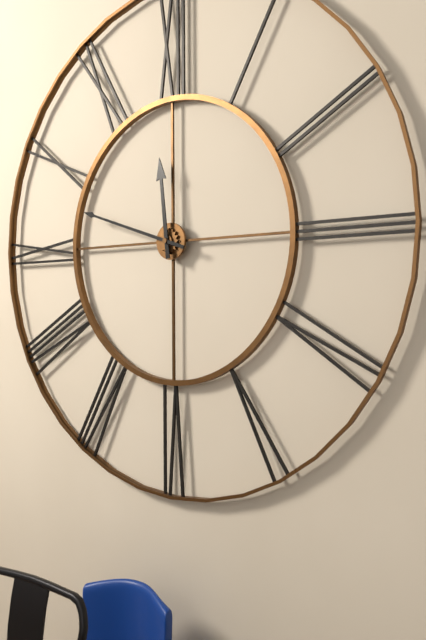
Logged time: 11,48
